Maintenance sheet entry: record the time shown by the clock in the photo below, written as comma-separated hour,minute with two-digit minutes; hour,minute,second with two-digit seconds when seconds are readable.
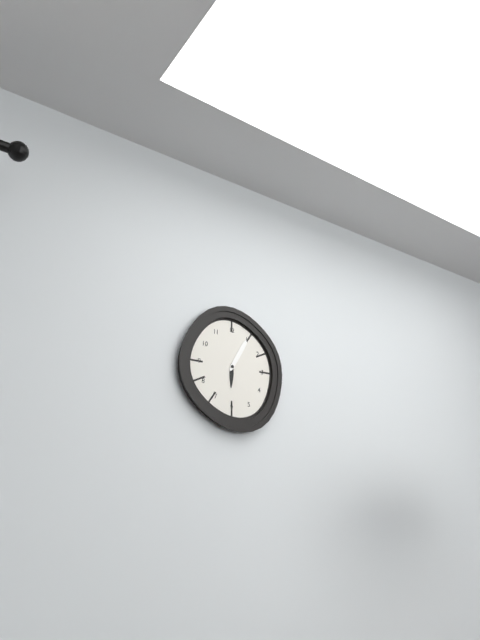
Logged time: 6,05
